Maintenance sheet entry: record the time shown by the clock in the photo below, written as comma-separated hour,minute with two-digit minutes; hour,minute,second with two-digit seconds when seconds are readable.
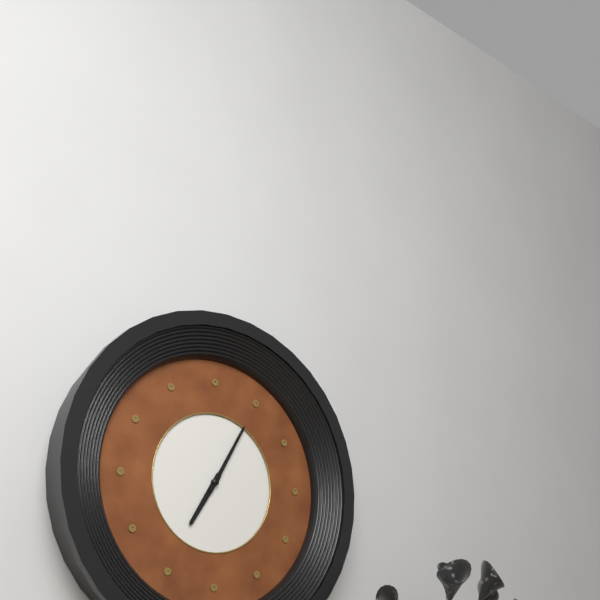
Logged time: 7,05
